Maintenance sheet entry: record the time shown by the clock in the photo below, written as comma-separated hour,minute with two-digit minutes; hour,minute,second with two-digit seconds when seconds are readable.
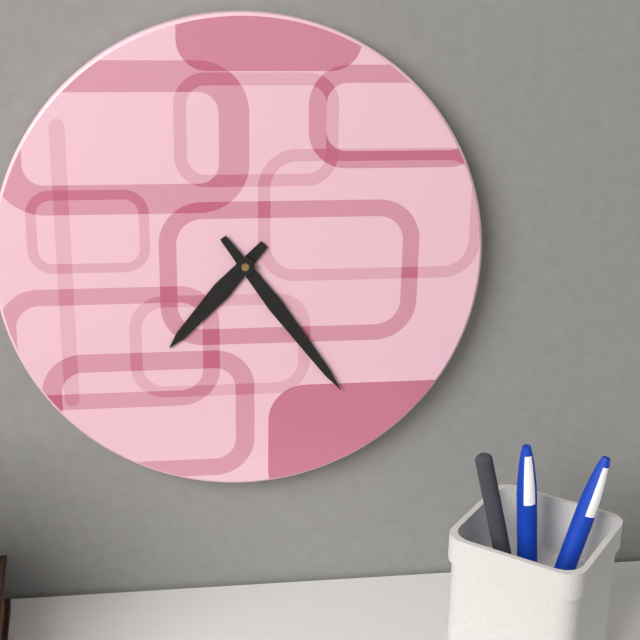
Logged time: 7,24
